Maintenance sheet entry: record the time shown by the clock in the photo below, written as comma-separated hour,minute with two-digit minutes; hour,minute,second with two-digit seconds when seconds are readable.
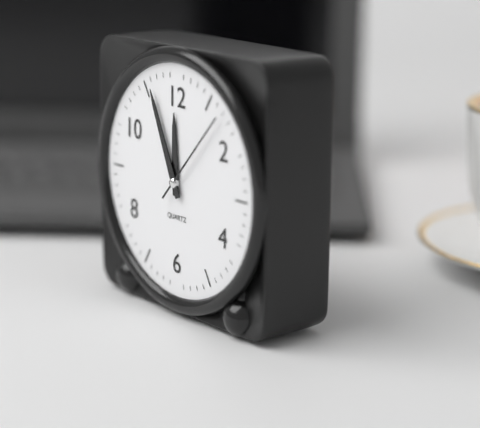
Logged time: 11,56,07
